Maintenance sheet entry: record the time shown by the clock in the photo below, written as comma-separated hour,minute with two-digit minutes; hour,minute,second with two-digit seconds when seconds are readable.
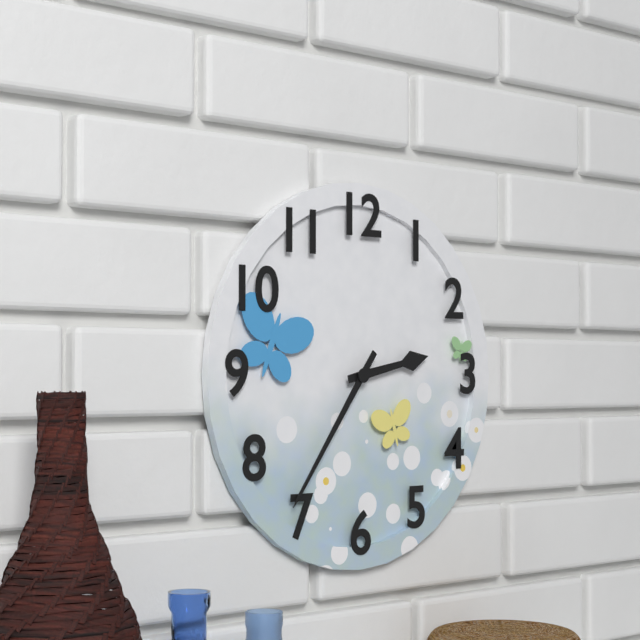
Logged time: 2,36
